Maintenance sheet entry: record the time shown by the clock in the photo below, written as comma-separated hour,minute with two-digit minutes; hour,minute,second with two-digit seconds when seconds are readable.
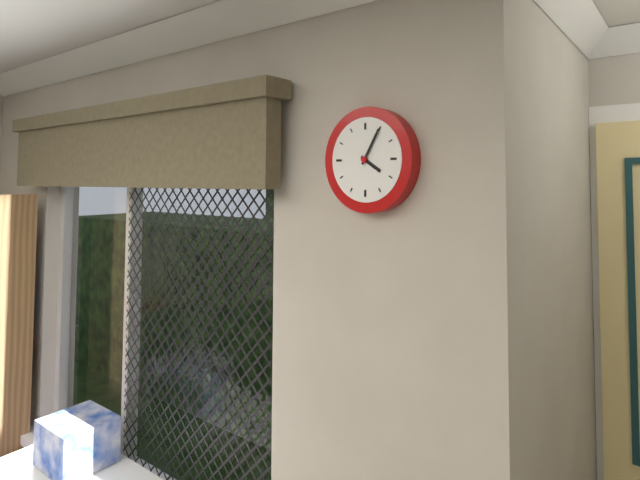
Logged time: 4,05
